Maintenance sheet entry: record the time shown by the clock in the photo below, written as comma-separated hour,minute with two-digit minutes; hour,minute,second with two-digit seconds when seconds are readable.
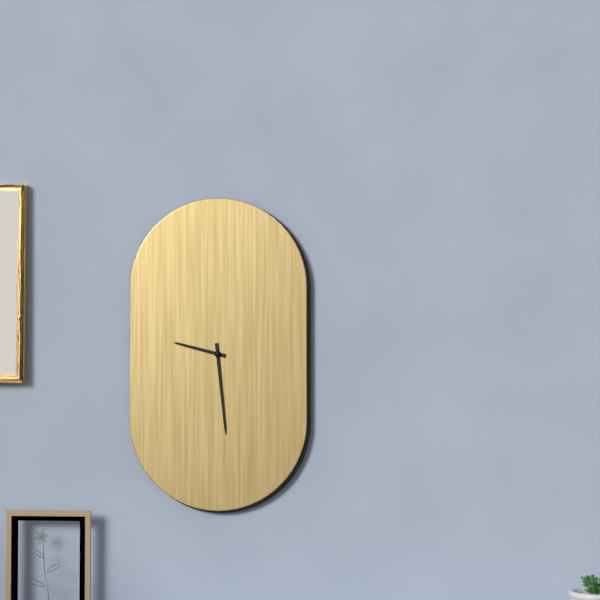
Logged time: 9,29
